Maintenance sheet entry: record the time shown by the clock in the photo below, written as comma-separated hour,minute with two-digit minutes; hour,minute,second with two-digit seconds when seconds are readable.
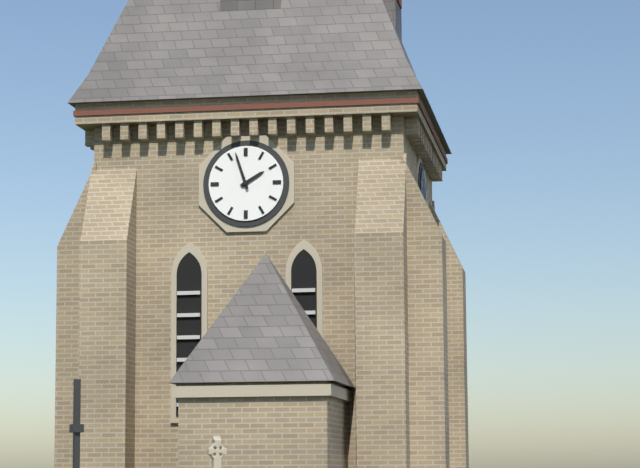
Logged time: 1,57
